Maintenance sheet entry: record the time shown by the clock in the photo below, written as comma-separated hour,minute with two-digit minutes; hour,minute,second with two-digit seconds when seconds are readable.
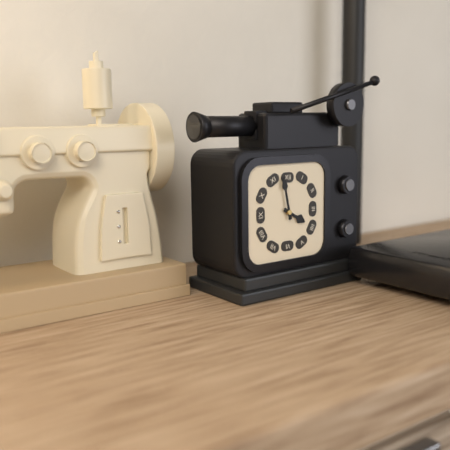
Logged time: 3,58
